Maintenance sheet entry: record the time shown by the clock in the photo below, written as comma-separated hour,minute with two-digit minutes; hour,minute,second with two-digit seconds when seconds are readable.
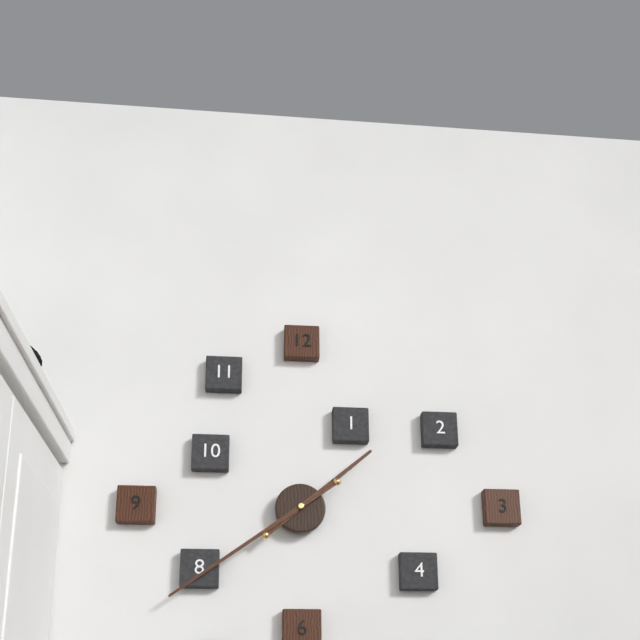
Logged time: 1,39
